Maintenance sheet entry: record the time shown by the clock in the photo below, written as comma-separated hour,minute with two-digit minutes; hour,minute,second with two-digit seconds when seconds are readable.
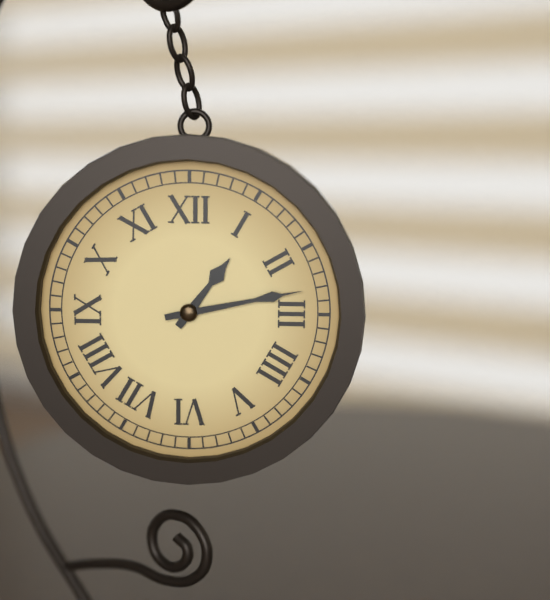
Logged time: 1,13
